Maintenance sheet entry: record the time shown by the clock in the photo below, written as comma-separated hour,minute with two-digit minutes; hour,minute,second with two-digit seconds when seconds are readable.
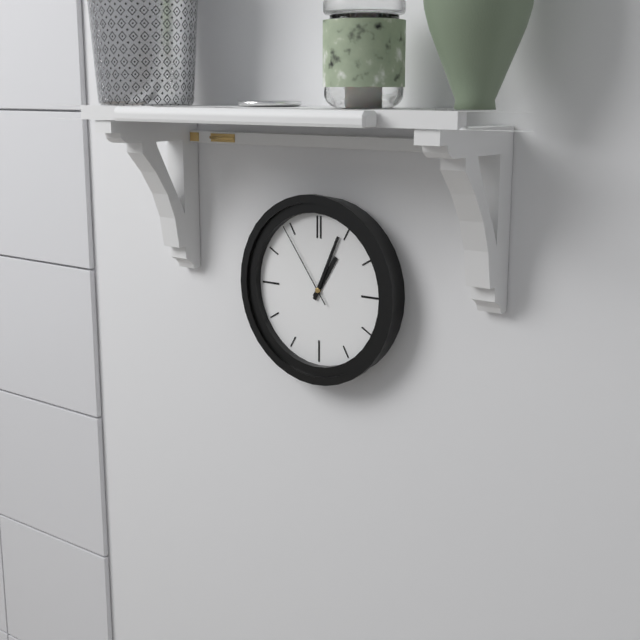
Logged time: 1,04,54
